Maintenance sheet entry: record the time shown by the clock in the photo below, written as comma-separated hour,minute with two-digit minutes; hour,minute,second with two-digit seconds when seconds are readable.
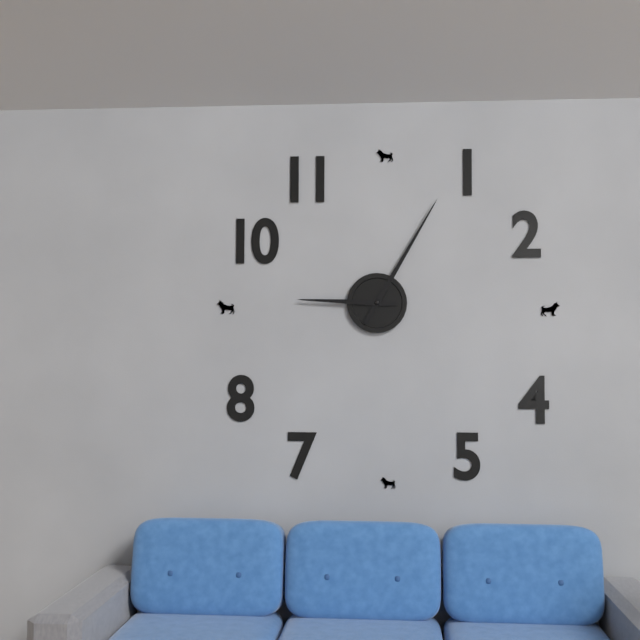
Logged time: 9,05
